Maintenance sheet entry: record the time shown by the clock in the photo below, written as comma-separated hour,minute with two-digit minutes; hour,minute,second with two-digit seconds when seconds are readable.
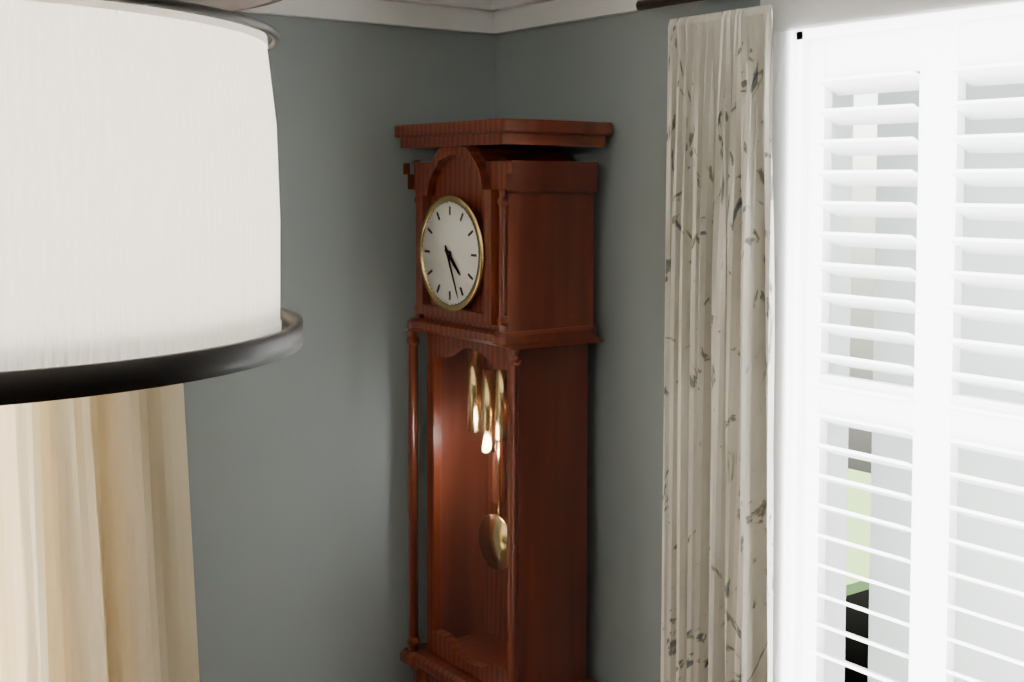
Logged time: 4,26
